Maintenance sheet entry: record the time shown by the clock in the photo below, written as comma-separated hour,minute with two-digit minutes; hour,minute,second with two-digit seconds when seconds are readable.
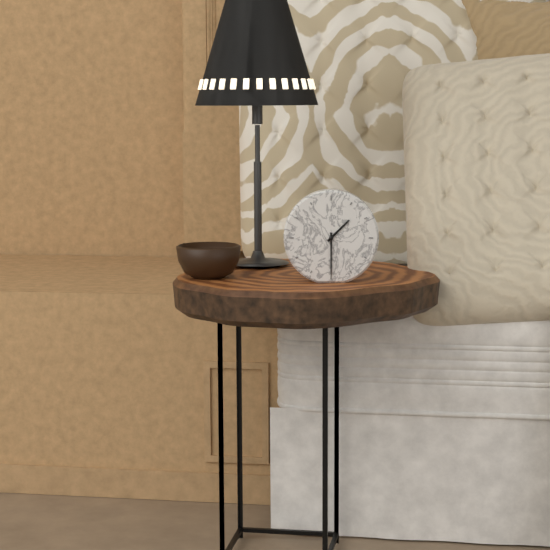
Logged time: 1,30
